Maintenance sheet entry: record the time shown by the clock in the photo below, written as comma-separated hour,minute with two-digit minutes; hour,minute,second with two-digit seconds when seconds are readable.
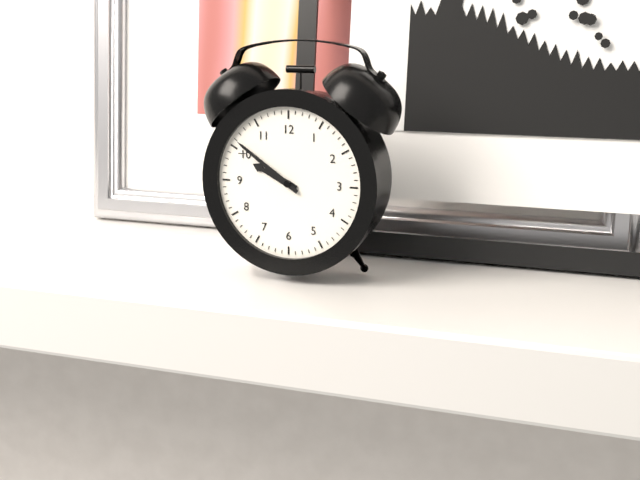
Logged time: 9,51
